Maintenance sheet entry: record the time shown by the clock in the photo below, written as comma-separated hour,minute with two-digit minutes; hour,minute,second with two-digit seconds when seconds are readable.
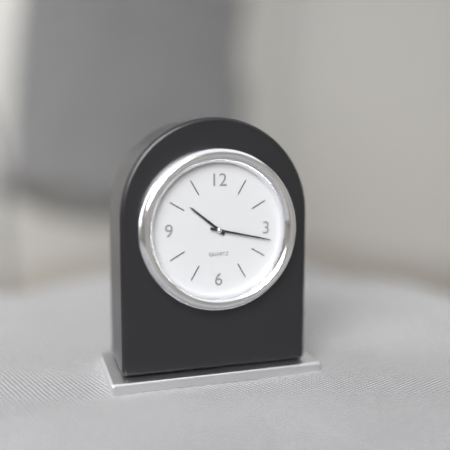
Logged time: 10,17
